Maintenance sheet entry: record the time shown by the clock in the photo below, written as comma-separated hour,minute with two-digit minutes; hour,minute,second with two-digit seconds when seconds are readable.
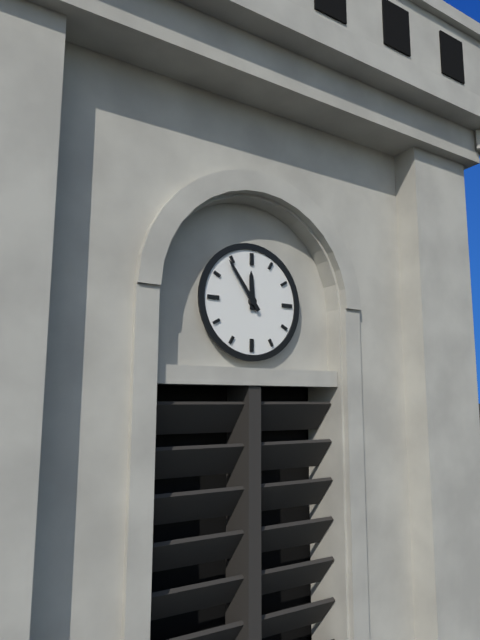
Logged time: 11,54
